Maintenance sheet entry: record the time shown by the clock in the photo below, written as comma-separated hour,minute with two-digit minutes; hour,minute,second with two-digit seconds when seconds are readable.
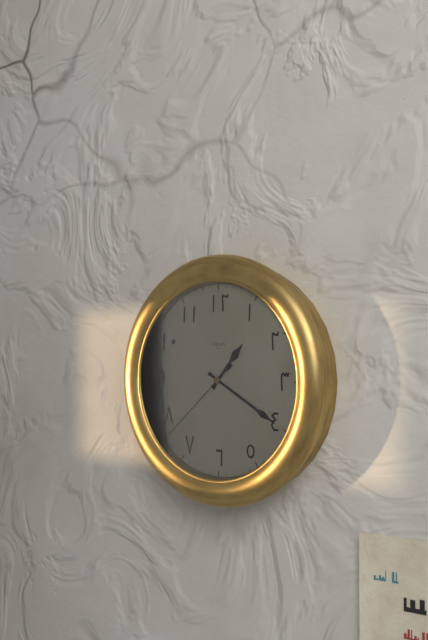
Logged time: 1,20,38
